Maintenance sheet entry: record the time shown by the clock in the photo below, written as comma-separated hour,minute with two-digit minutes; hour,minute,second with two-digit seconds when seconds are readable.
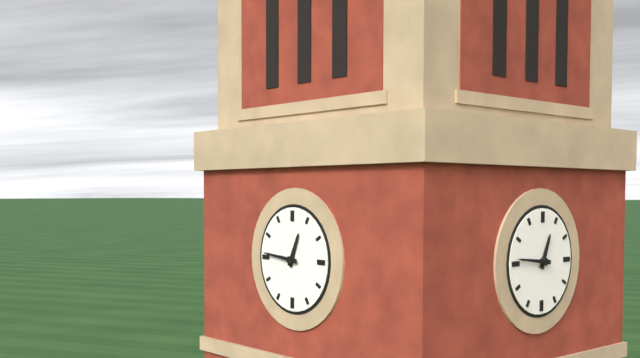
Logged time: 12,46
